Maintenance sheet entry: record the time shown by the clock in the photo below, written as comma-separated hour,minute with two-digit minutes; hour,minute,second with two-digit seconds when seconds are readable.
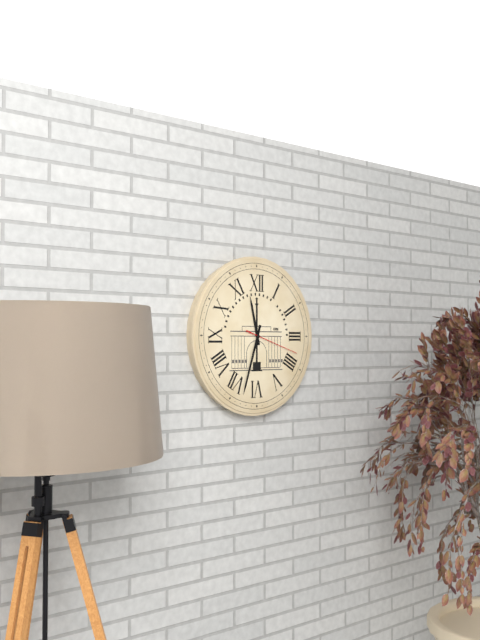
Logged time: 11,33,18
